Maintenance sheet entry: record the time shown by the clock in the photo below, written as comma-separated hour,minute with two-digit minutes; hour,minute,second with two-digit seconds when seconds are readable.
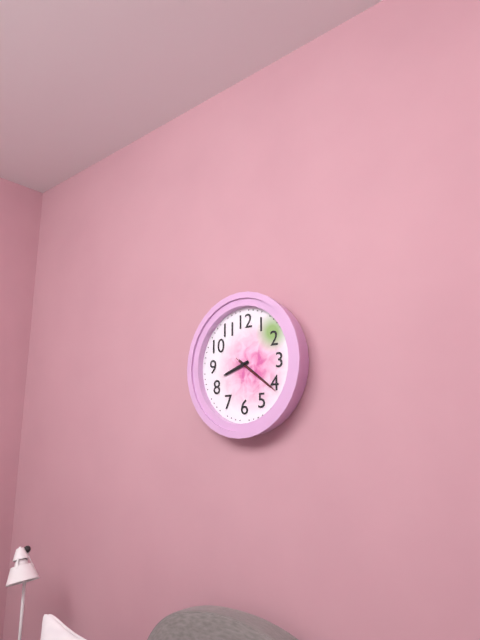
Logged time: 8,21,21
